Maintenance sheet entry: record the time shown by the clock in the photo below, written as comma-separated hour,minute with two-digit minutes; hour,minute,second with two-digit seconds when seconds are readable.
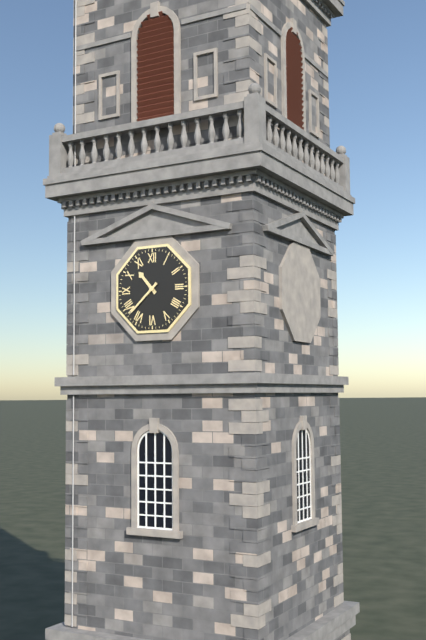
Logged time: 10,38
